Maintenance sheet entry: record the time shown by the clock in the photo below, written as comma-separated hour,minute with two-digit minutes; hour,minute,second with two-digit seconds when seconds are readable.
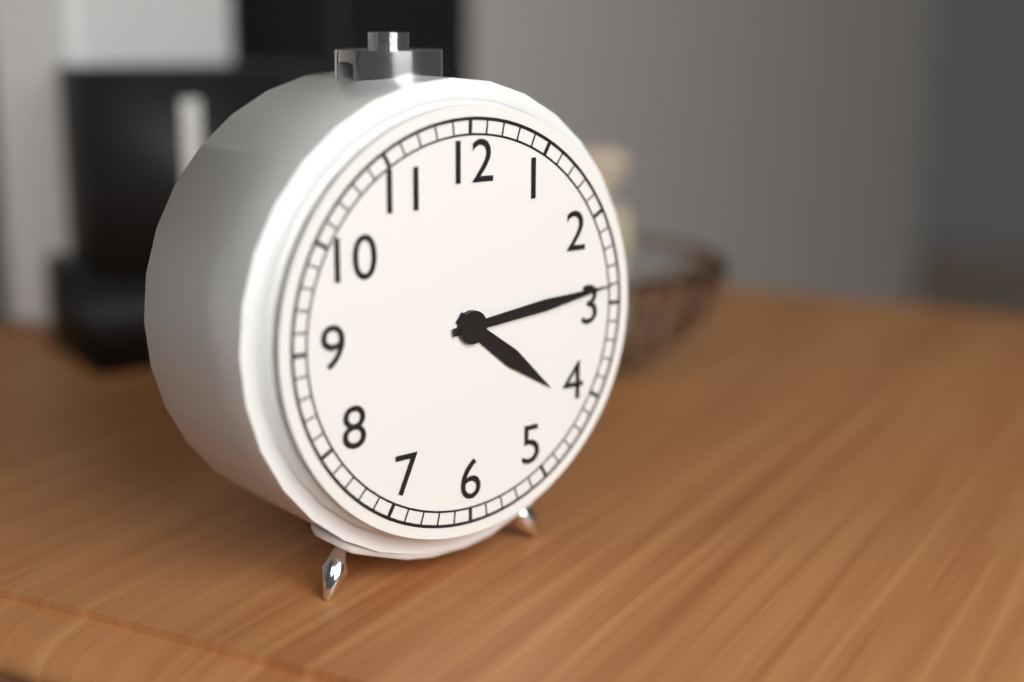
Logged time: 4,14
